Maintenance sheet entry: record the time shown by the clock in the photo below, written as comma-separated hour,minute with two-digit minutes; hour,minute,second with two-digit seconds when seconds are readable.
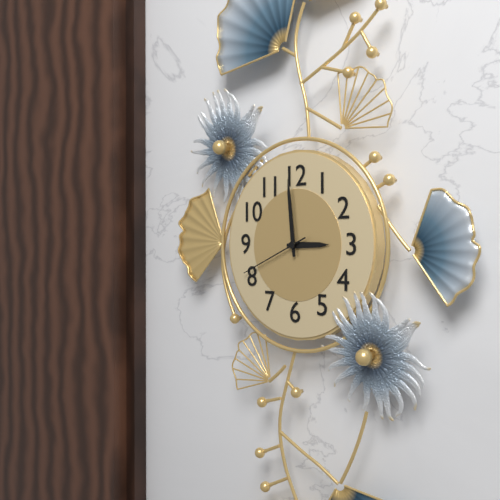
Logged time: 2,59,41
